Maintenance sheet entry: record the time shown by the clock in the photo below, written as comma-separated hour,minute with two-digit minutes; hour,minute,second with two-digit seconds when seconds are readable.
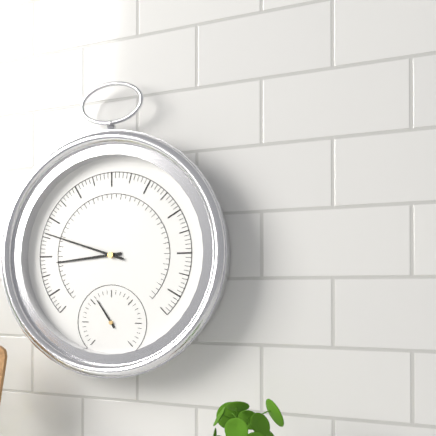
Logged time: 8,48
